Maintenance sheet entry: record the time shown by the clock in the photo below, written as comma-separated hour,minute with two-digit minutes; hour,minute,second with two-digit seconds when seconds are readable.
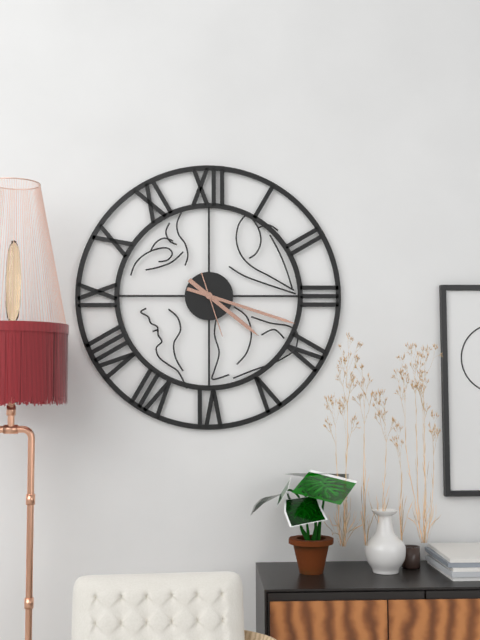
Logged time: 4,18,27
